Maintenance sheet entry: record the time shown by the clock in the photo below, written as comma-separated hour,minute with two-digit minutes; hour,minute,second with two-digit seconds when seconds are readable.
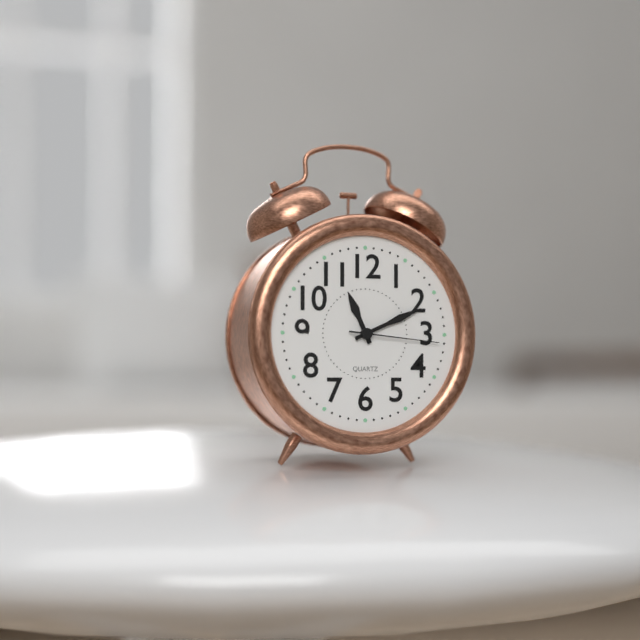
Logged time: 11,11,16
